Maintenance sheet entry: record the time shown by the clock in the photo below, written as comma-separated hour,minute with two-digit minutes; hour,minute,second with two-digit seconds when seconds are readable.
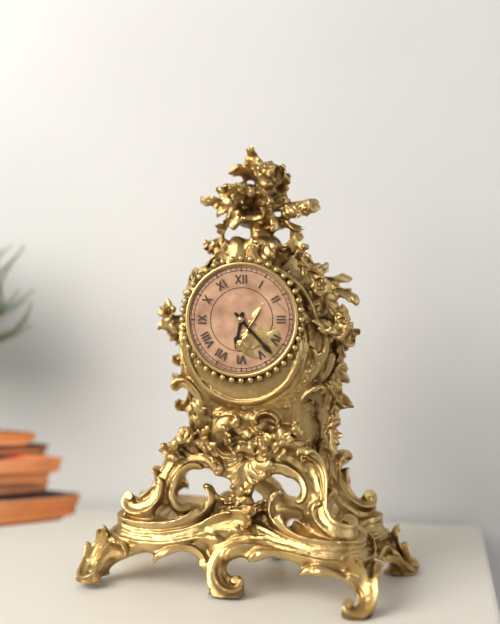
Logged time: 6,23
